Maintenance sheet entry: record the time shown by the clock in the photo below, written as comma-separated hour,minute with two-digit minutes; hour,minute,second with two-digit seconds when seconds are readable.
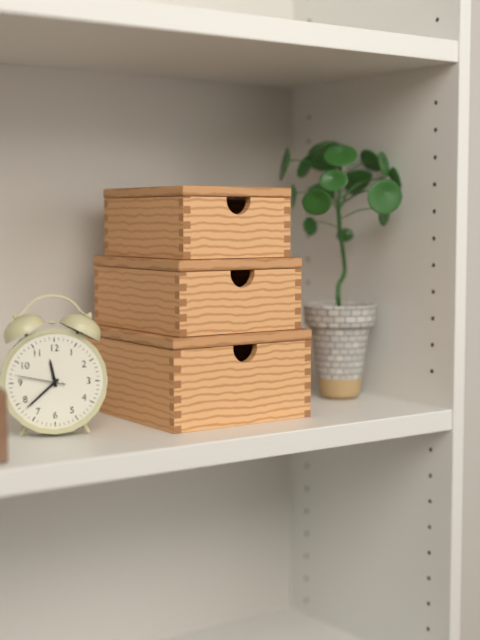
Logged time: 11,38,47
